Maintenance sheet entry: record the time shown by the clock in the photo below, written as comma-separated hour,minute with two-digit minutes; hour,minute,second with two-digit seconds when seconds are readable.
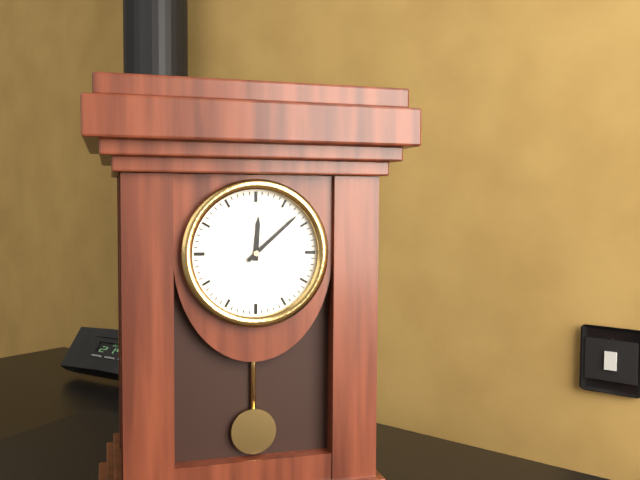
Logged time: 12,08
